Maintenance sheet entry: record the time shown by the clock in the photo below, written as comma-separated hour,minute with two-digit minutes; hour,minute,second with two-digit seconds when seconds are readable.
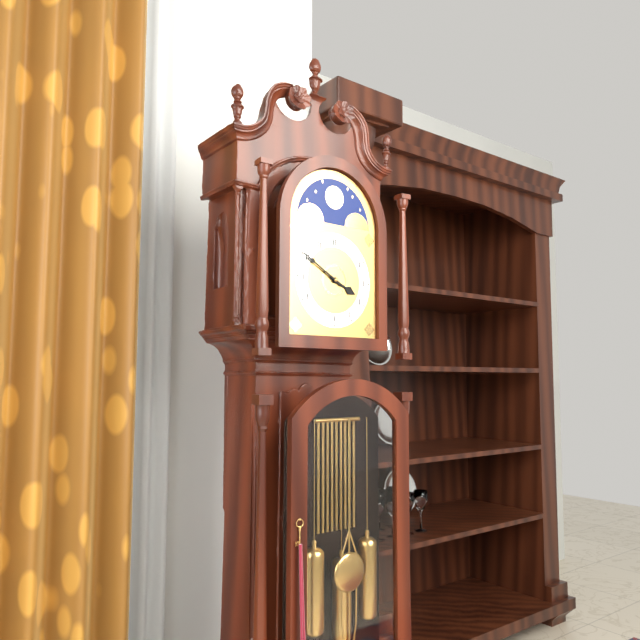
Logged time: 3,50
